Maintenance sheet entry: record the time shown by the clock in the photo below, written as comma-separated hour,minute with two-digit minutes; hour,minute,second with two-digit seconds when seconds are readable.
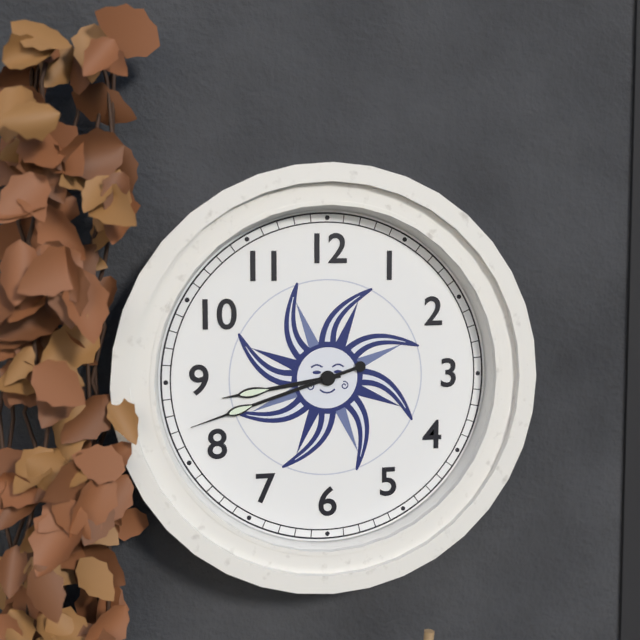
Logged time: 8,42
